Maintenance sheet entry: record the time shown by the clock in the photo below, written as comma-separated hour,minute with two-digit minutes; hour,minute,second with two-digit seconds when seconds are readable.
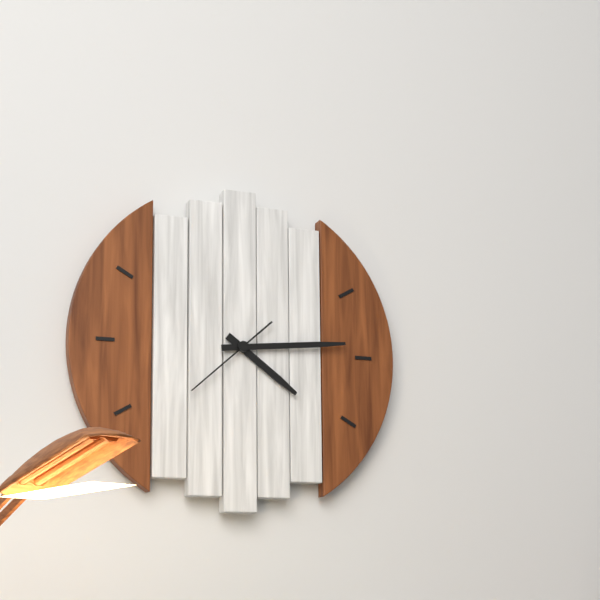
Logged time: 4,14,38
